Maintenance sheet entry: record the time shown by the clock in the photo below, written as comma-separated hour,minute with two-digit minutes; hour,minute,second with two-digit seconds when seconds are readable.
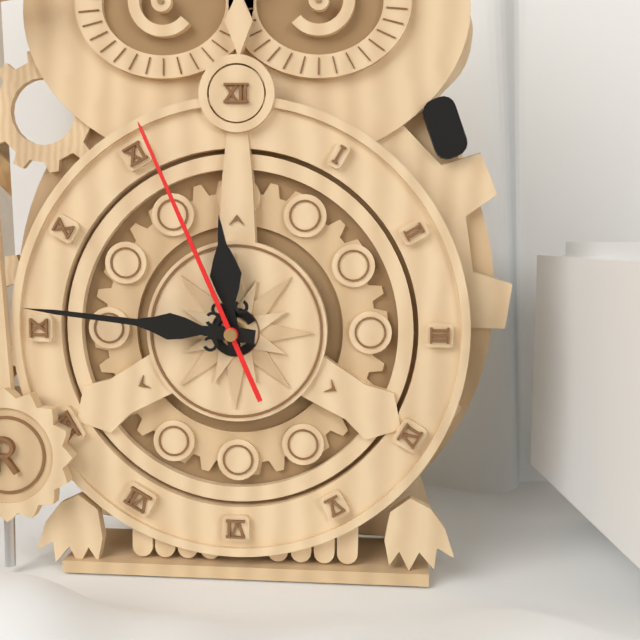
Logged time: 11,46,56
